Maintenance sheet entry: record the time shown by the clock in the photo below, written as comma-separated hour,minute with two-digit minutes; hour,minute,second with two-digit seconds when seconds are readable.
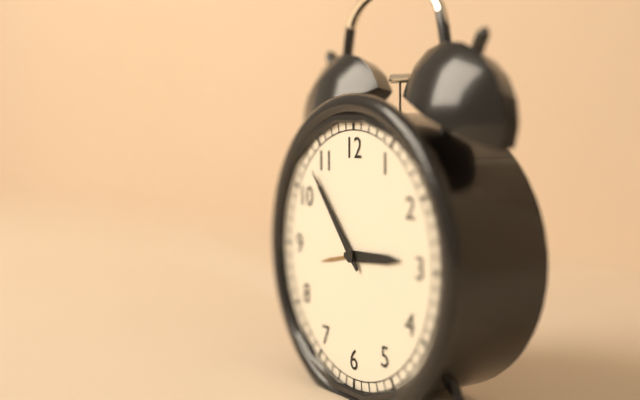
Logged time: 2,53
